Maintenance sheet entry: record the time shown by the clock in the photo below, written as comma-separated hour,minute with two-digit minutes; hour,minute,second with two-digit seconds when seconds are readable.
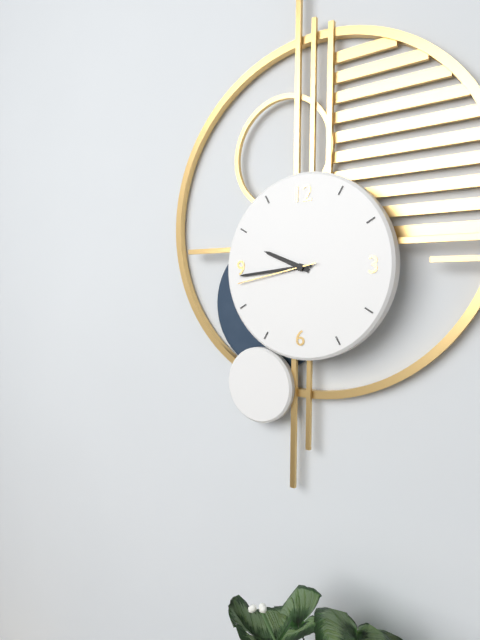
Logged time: 9,44,43
